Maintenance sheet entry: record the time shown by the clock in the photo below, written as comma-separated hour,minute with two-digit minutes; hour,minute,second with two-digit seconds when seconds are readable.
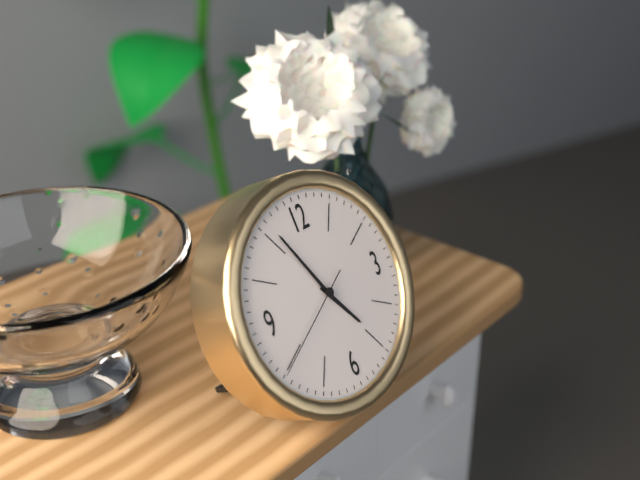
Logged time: 4,56,40
